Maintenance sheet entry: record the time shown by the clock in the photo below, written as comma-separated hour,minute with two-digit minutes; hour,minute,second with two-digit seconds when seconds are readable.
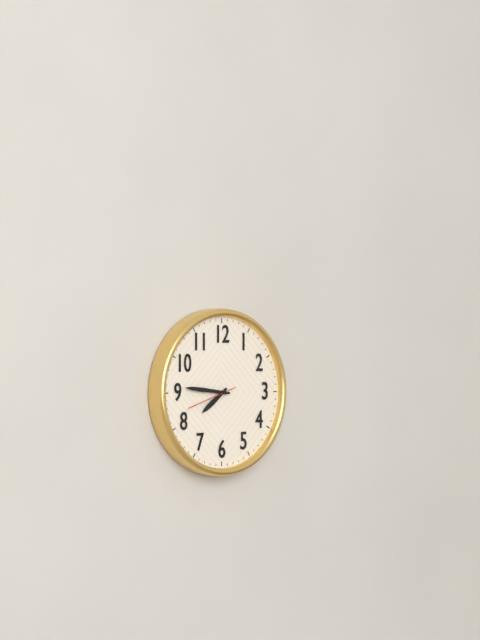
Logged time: 7,46
